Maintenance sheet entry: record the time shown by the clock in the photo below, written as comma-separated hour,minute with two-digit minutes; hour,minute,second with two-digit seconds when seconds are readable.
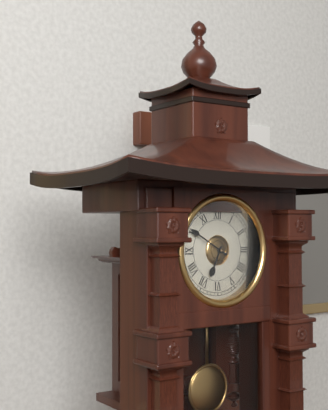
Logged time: 6,50
